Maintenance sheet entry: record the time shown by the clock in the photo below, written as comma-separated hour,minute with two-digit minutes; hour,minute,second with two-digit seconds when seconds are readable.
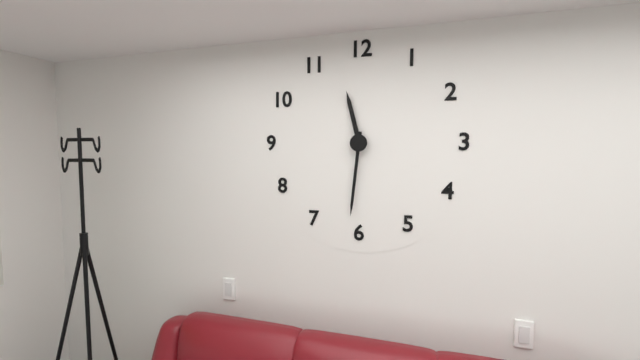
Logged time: 11,31
